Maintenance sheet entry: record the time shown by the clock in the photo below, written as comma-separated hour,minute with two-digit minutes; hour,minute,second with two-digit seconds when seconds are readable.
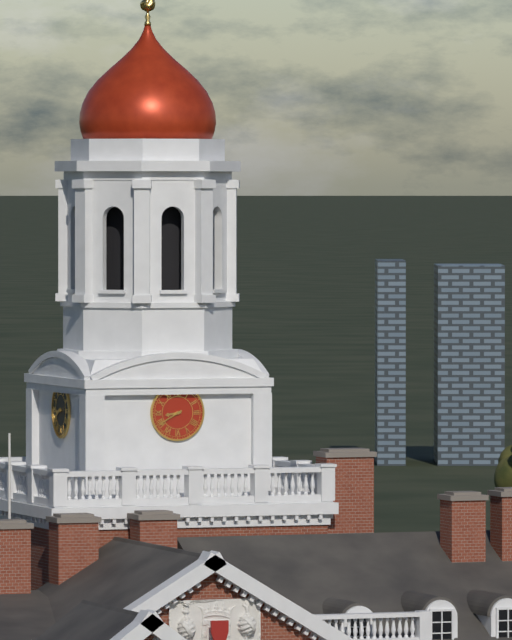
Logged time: 8,40
